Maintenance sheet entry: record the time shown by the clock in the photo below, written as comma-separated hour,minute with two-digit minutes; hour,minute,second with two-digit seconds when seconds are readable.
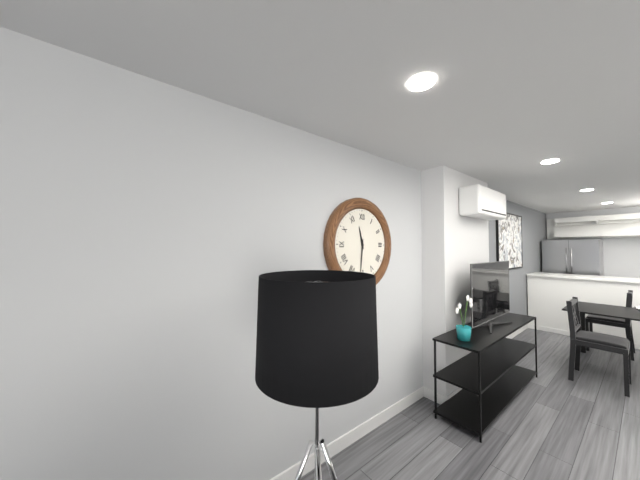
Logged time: 11,31
